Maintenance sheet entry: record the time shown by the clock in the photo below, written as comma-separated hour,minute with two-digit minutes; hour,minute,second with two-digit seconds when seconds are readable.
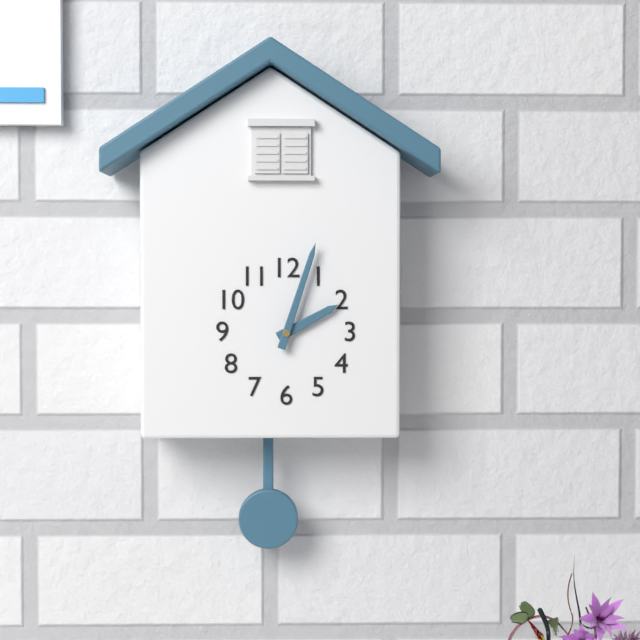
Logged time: 2,03
